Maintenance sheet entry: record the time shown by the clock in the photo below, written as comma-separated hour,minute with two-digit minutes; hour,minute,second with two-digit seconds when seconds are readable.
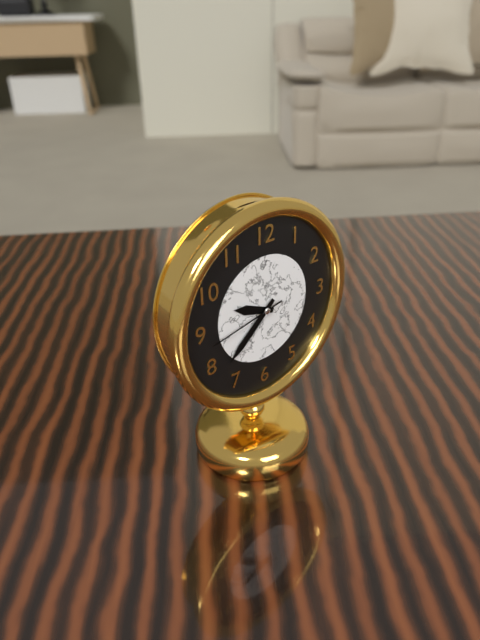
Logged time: 9,38,43
